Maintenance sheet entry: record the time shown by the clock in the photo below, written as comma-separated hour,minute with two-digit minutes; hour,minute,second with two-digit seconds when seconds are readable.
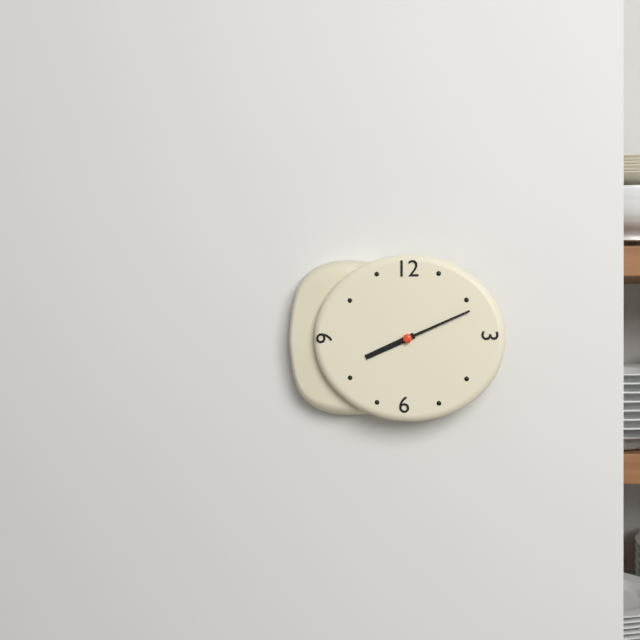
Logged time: 8,11
